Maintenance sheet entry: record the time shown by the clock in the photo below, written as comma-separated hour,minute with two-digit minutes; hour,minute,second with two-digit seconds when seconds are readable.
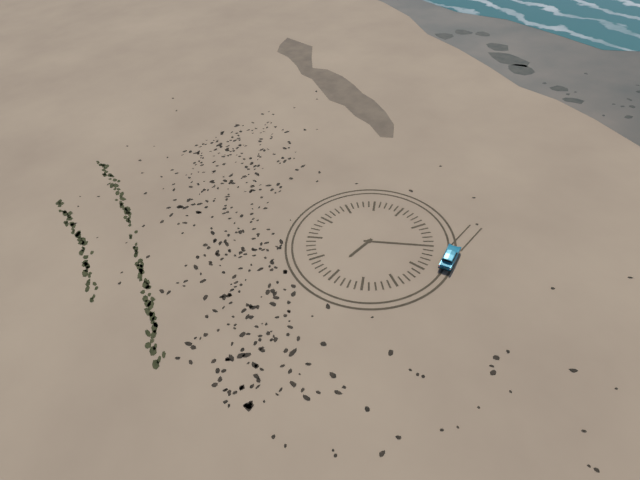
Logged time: 6,10
